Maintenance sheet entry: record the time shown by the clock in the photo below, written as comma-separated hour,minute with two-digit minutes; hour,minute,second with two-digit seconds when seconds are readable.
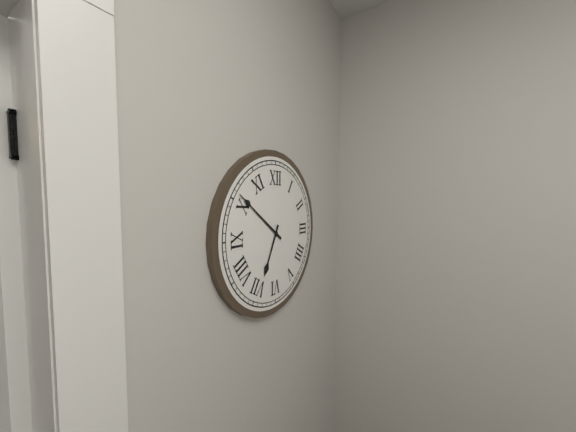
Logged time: 6,51
